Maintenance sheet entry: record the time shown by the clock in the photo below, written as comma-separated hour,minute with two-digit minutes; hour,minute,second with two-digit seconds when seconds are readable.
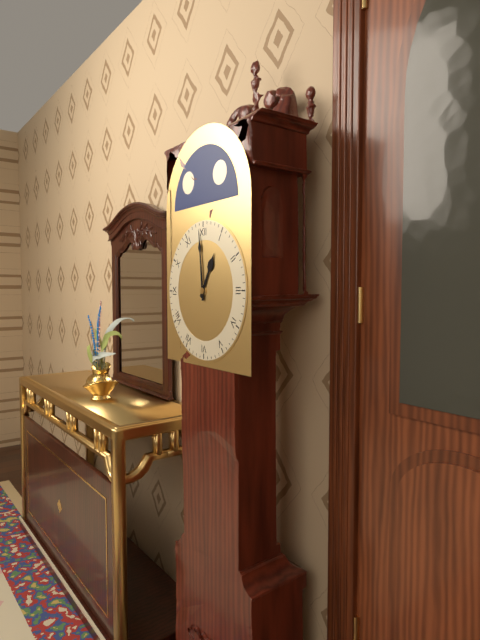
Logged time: 12,59
